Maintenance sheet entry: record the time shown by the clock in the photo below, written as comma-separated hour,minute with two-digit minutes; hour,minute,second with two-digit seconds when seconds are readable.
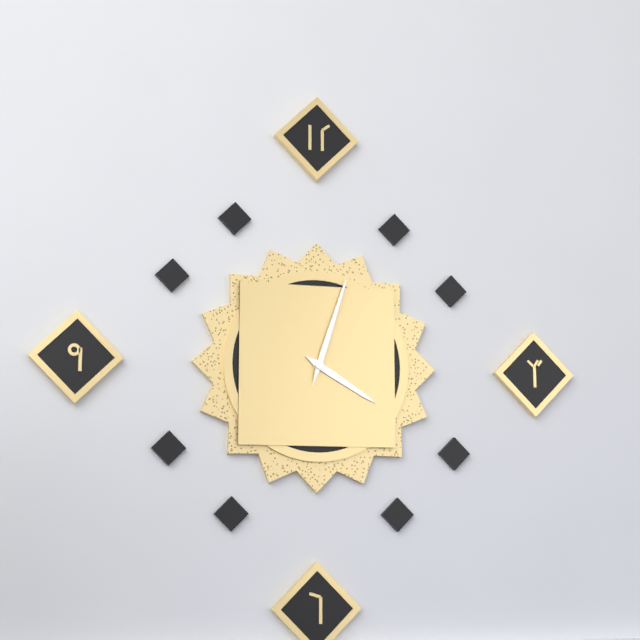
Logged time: 4,03
